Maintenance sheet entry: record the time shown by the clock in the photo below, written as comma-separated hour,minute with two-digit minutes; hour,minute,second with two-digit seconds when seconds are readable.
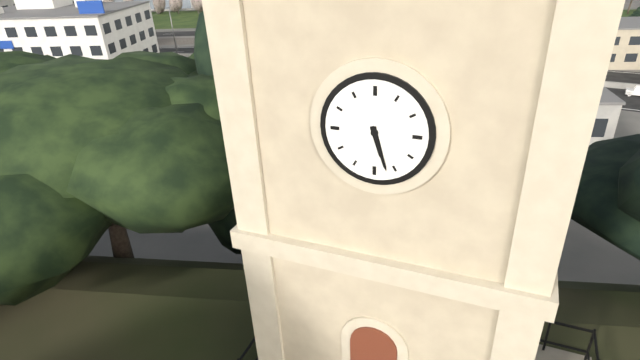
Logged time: 5,27
